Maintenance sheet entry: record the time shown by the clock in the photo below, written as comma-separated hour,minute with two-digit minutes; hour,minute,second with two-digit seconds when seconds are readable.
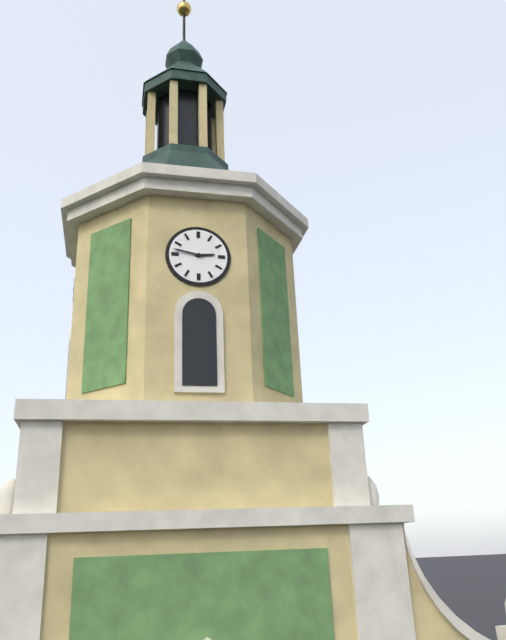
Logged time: 2,47
